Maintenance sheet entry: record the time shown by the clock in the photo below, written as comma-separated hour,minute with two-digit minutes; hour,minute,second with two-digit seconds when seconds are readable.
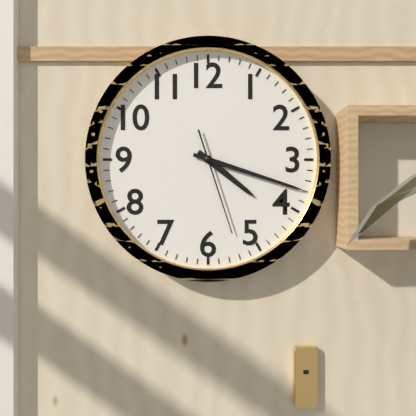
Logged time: 4,18,27
